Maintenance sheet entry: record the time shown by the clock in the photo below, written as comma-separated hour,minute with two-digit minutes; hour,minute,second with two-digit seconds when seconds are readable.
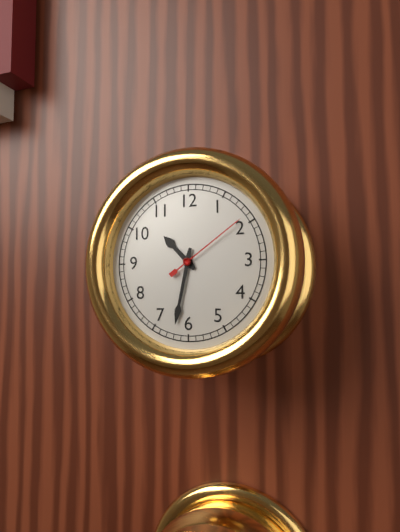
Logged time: 10,32,09
